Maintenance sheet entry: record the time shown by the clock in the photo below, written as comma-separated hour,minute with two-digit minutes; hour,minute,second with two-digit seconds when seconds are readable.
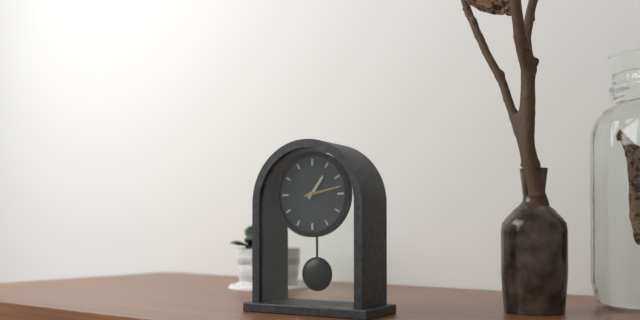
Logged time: 1,13
